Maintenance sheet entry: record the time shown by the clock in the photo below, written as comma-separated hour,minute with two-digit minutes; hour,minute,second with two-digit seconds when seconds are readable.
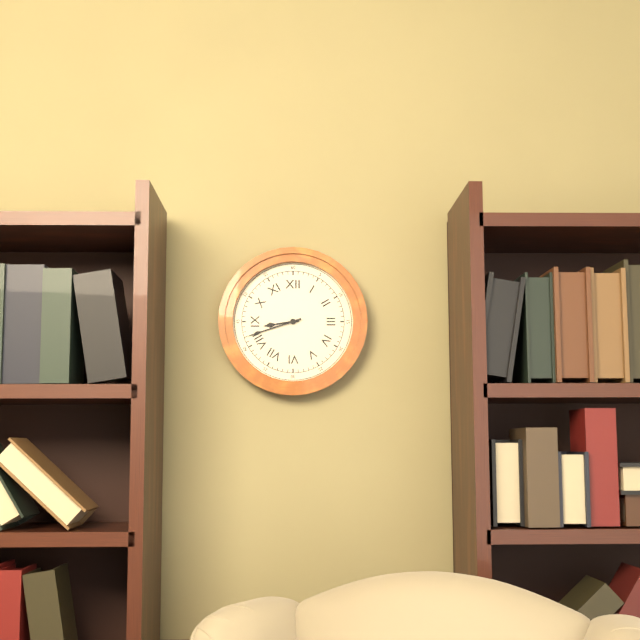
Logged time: 8,42
